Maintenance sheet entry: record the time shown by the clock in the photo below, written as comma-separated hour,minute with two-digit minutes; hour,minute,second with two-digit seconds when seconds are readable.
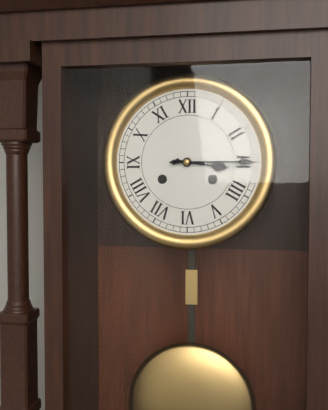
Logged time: 3,15
